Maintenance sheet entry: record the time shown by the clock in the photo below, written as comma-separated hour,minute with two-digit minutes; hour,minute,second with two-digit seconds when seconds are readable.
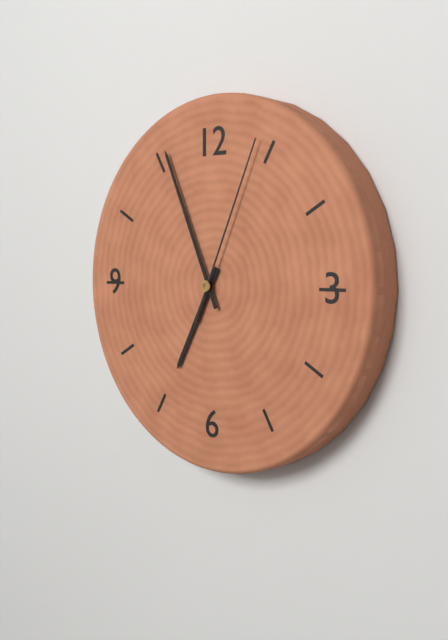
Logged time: 6,56,04
